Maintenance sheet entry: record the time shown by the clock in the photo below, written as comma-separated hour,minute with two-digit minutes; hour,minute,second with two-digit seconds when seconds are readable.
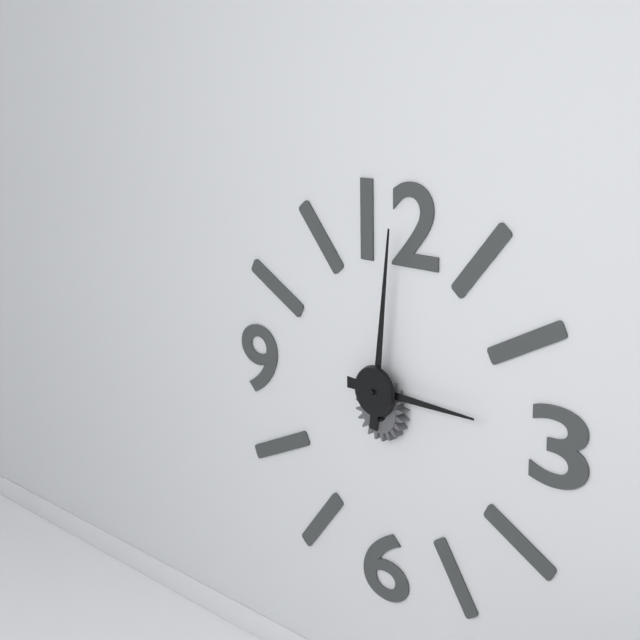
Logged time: 3,01
